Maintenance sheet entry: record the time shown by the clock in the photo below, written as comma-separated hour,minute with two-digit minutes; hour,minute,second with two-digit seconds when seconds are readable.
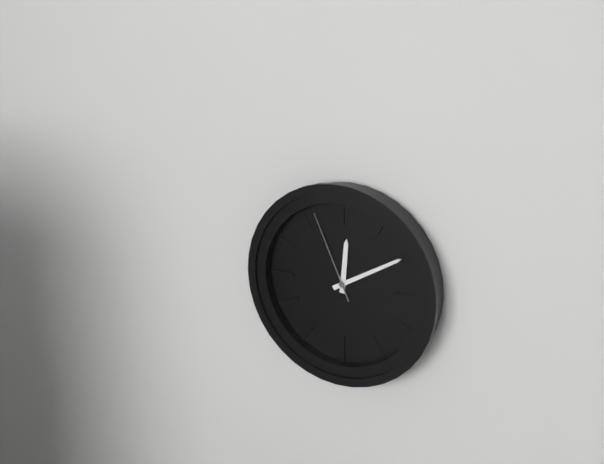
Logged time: 12,10,56
